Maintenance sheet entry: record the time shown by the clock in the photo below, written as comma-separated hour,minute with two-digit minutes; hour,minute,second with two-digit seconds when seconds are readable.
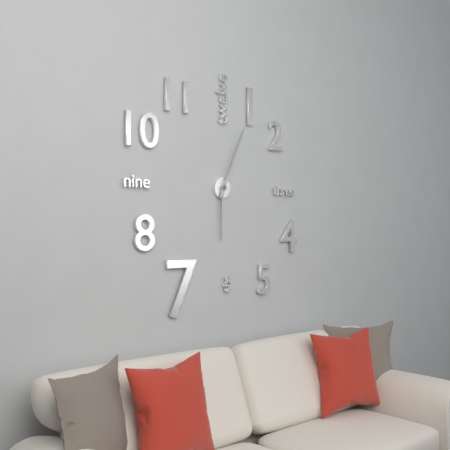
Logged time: 6,04
